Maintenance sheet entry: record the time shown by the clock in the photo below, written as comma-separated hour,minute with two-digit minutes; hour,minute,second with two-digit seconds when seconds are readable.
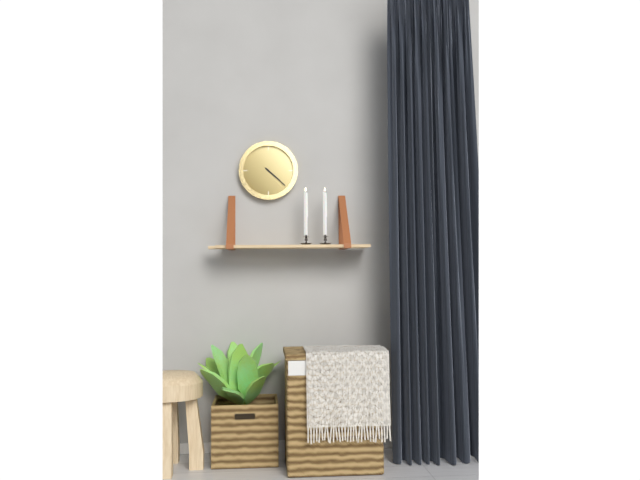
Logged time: 4,22
